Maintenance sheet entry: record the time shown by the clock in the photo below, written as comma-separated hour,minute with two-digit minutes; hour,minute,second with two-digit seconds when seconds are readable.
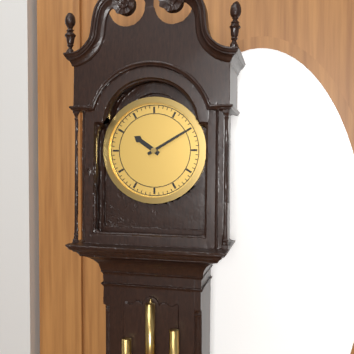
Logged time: 10,10
